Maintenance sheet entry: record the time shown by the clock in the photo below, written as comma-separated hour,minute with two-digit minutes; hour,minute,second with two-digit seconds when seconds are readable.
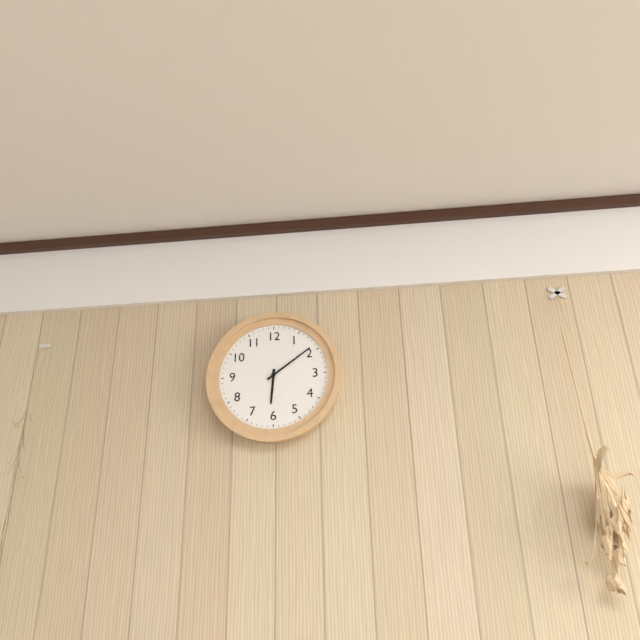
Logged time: 6,09
